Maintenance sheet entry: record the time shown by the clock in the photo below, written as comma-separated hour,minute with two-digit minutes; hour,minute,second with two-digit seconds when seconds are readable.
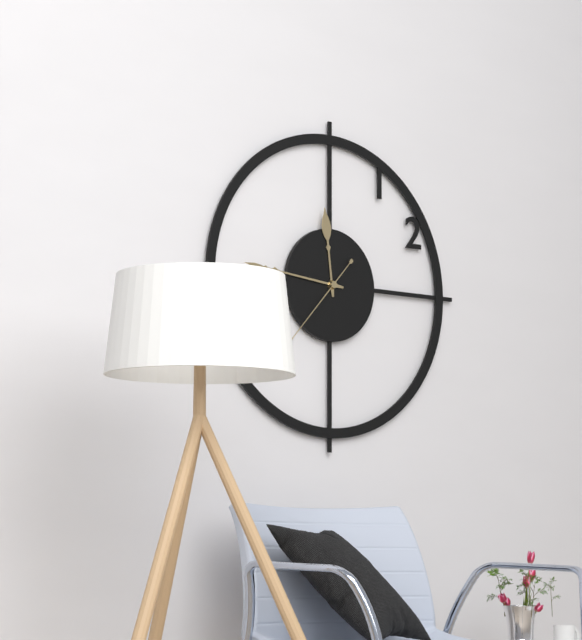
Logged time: 11,46,37
